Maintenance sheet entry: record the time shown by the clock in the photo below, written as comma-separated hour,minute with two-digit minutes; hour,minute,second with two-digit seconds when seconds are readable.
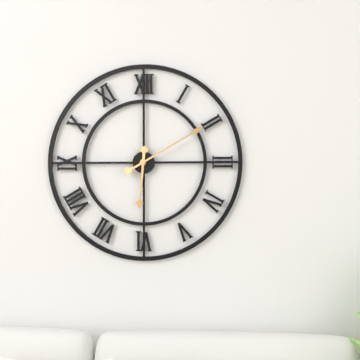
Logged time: 6,10
